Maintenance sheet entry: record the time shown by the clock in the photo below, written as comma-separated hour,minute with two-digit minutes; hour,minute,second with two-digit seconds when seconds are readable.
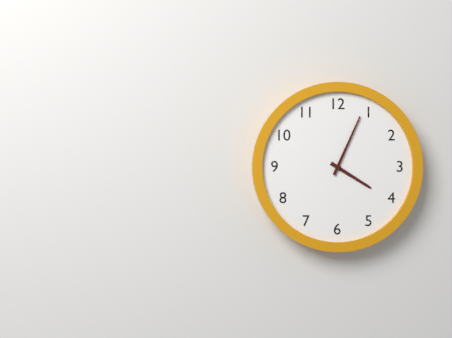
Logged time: 4,04
